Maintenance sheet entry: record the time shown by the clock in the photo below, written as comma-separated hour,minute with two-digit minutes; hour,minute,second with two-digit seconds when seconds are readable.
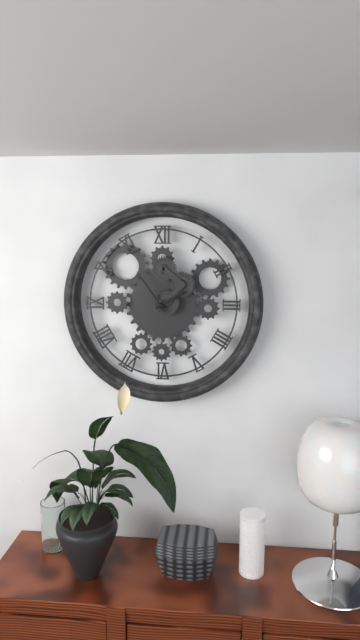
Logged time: 1,54
